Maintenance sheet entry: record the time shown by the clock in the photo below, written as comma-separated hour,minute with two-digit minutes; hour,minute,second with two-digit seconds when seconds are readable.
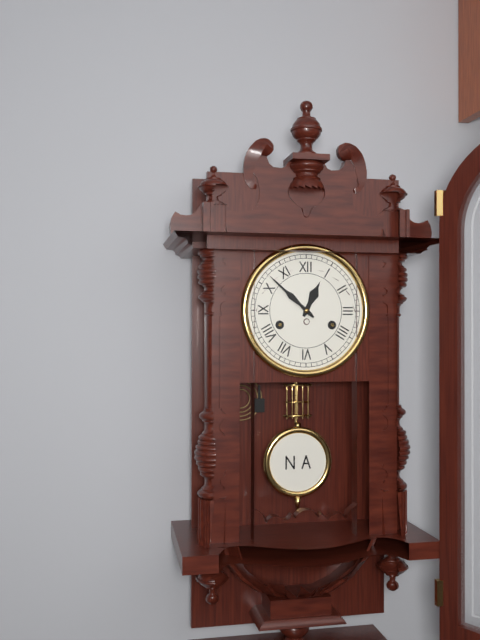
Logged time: 12,52
